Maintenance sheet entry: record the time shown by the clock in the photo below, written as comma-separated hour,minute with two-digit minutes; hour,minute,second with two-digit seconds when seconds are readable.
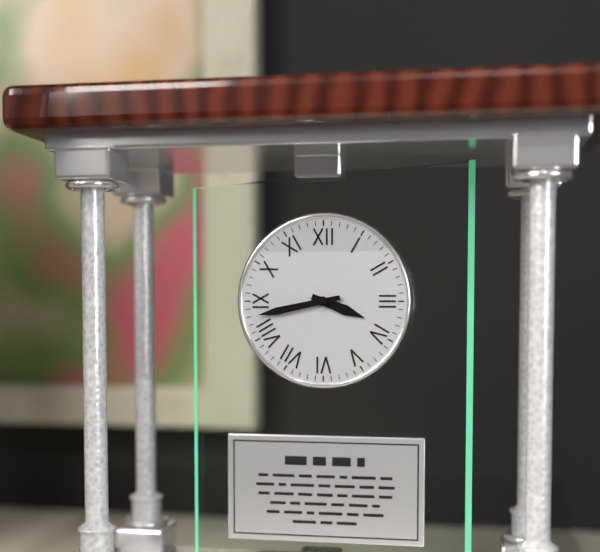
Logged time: 3,43
